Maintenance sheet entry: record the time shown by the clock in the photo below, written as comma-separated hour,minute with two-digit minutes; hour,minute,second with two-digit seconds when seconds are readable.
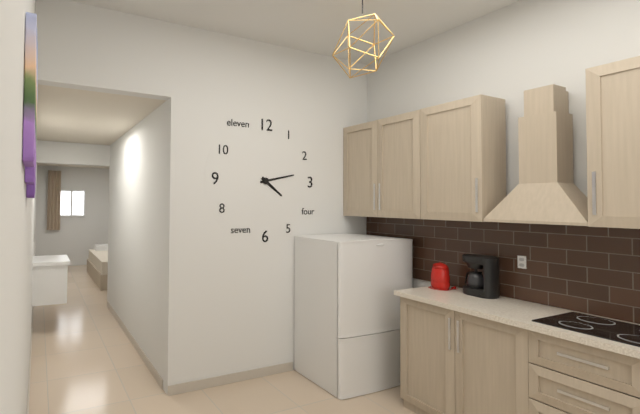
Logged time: 4,13
